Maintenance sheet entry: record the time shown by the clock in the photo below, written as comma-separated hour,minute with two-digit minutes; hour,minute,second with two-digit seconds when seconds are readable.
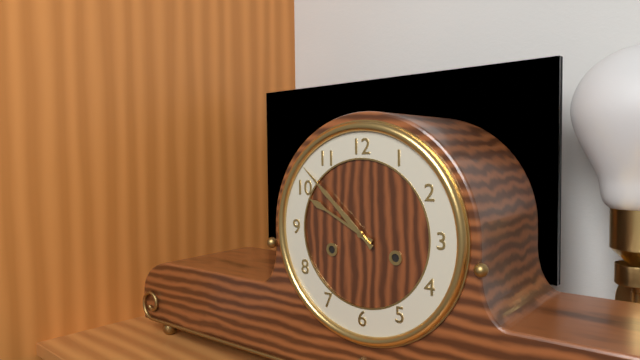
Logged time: 9,52
